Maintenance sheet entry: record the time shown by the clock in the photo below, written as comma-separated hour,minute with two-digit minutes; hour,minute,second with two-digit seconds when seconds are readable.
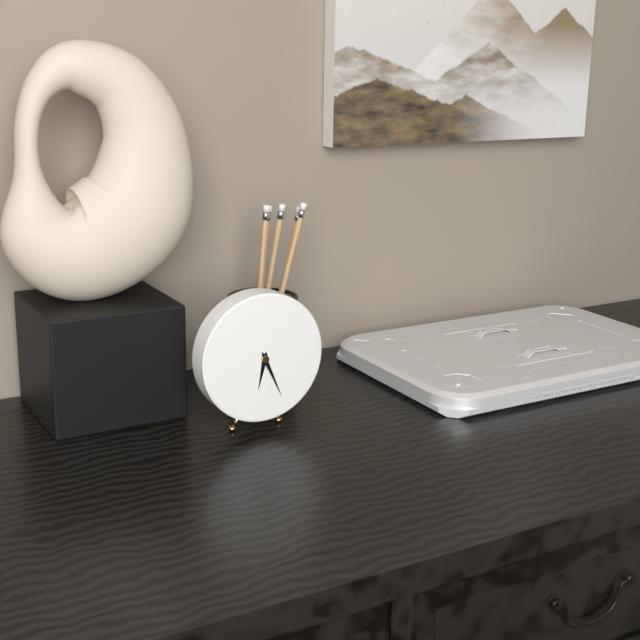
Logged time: 6,26
